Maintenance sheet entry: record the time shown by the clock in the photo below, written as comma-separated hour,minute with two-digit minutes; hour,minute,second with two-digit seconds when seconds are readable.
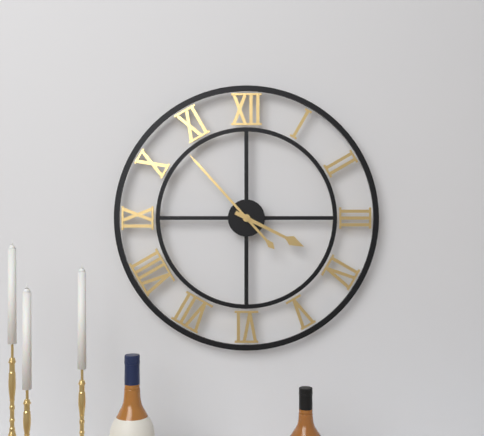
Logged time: 3,53
